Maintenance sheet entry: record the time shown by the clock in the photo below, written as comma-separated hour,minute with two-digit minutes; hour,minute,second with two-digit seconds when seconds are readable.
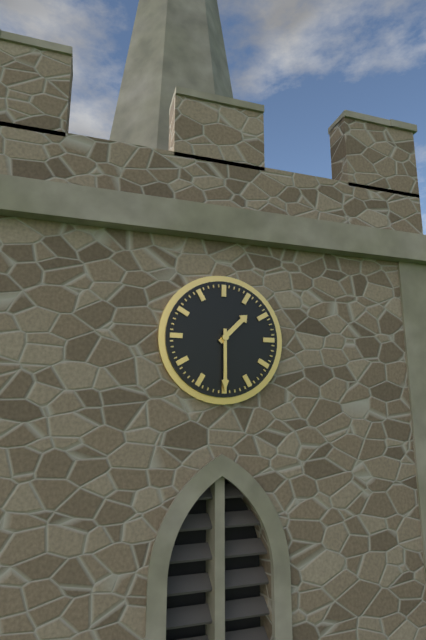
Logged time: 1,30
